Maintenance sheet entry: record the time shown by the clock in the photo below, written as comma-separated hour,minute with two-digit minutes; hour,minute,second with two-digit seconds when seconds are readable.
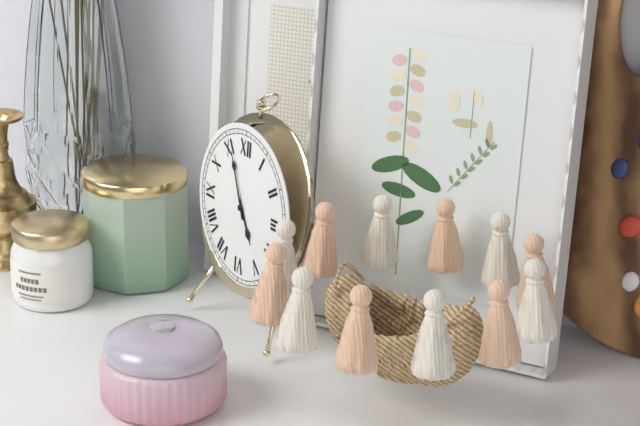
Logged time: 4,56
